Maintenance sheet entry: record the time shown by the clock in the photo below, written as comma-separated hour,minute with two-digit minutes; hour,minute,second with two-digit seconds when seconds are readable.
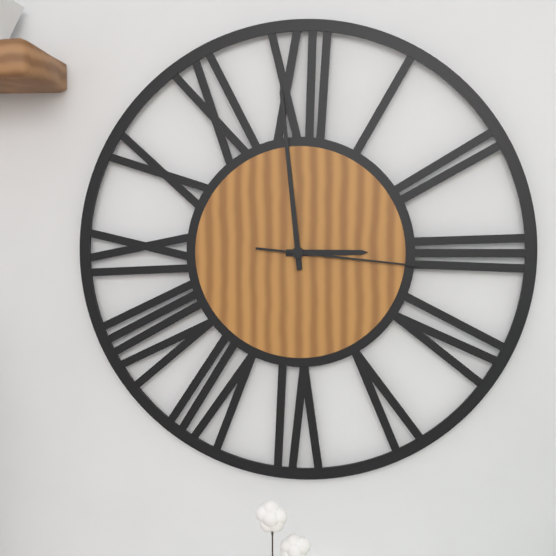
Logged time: 2,59,16
